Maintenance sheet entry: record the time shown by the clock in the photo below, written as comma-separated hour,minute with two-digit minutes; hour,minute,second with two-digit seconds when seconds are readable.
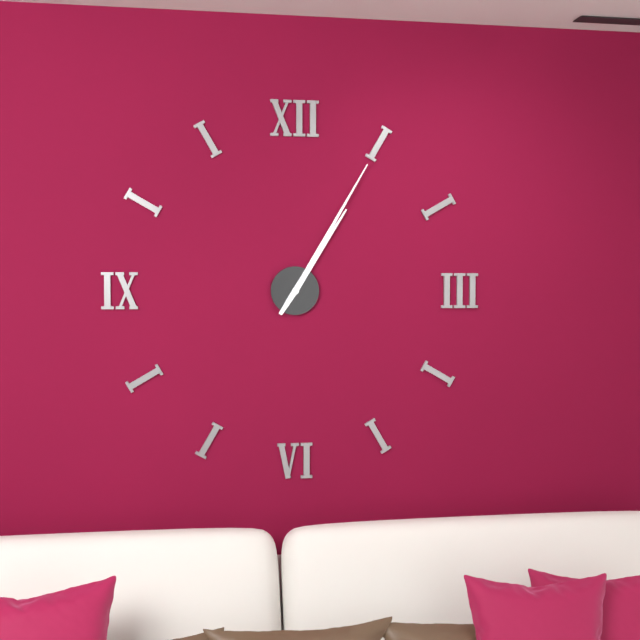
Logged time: 1,05
